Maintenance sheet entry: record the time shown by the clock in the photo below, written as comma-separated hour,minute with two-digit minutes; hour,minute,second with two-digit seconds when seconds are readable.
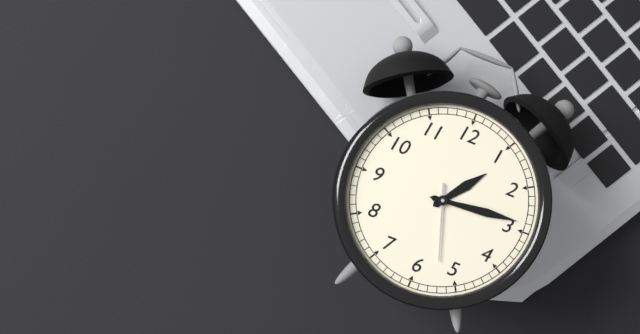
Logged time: 1,14,27
